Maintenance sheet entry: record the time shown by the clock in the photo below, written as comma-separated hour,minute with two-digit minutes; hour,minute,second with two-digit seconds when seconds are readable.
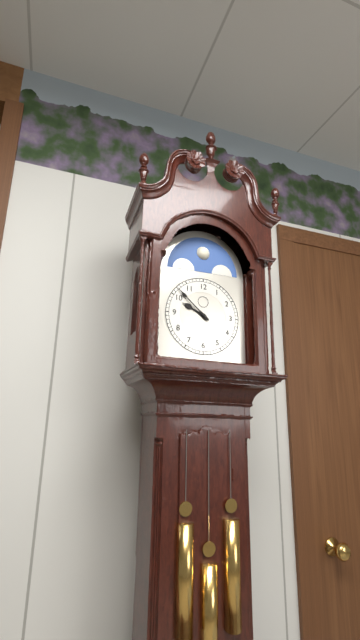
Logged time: 9,52
